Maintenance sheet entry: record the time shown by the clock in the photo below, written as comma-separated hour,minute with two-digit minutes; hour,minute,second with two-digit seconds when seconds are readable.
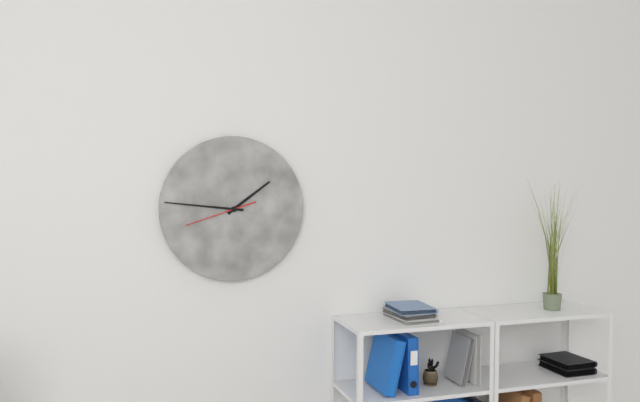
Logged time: 1,46,42
